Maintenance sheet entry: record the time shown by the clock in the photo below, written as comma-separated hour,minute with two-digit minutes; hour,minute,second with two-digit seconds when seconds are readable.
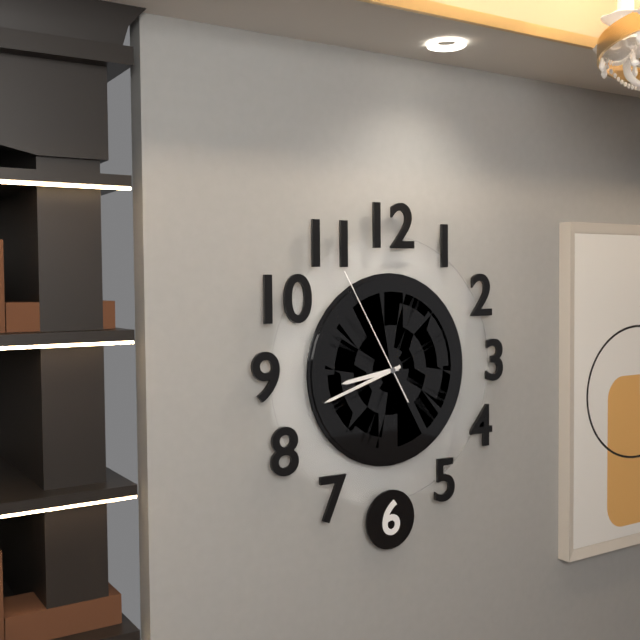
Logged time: 8,42,55
